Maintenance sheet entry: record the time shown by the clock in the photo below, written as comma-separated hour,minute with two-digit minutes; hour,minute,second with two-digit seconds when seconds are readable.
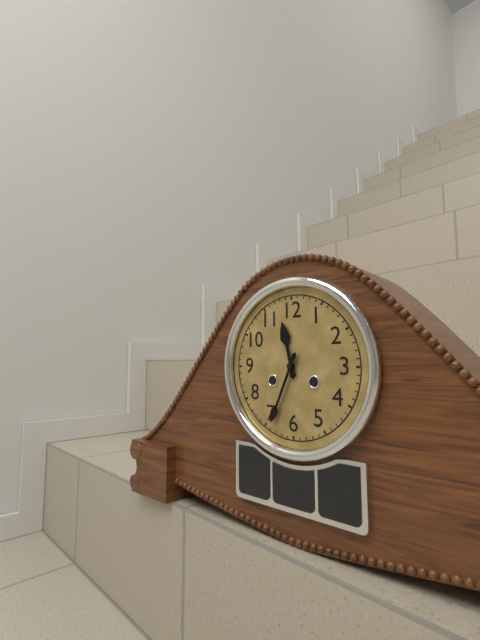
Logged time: 11,34
